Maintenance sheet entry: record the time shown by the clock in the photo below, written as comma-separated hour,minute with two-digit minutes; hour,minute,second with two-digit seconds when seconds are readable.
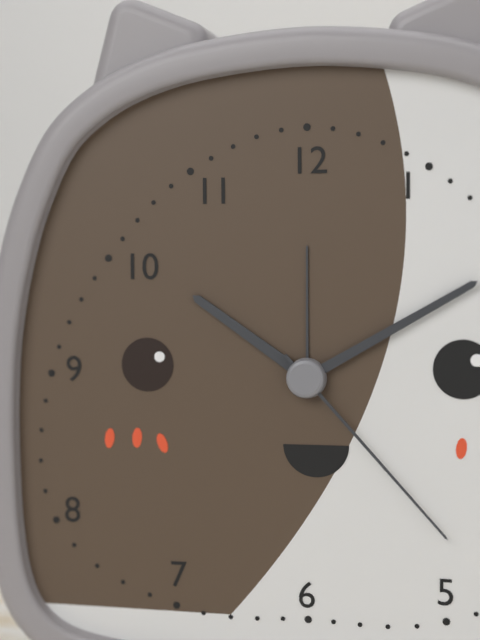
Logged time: 10,10,23
